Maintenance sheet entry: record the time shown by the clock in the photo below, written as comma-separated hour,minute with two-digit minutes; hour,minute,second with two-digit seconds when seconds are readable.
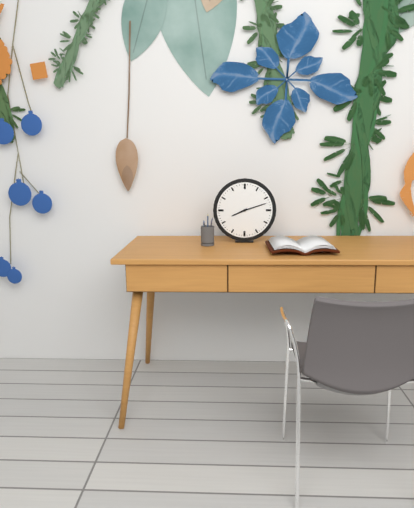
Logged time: 8,12
